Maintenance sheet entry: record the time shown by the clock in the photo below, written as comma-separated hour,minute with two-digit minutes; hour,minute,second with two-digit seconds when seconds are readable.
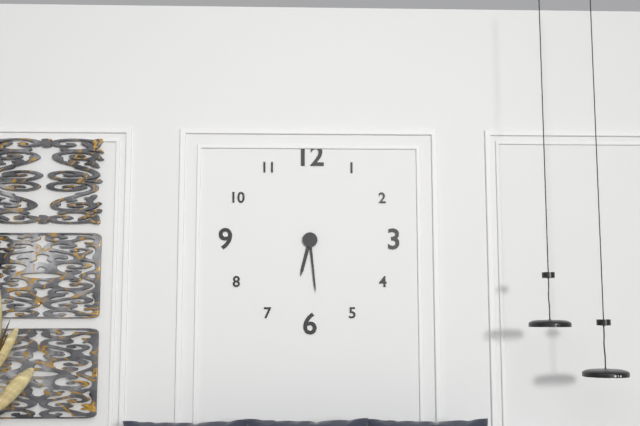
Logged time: 6,29
